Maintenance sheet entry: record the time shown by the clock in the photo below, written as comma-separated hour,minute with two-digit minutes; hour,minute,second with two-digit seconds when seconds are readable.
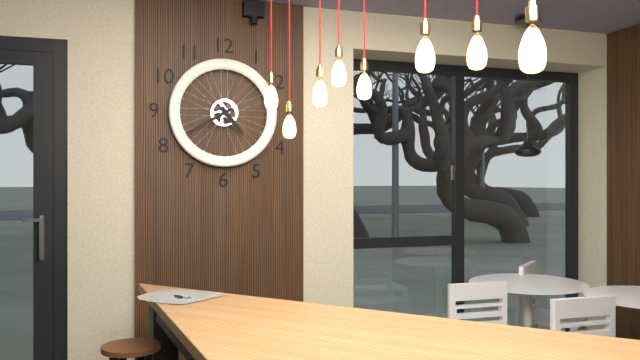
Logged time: 4,40
